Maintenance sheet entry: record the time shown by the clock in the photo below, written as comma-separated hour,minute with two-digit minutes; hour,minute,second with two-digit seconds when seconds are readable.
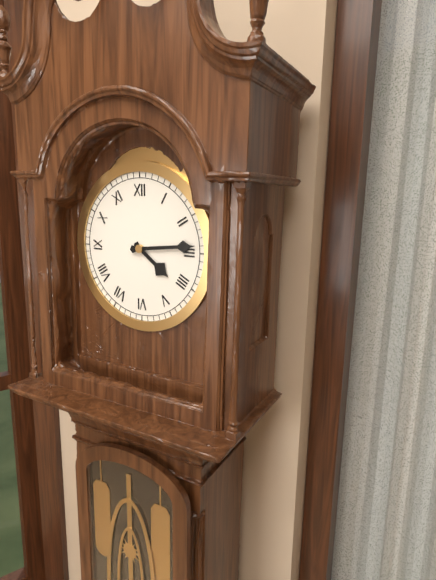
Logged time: 4,14
